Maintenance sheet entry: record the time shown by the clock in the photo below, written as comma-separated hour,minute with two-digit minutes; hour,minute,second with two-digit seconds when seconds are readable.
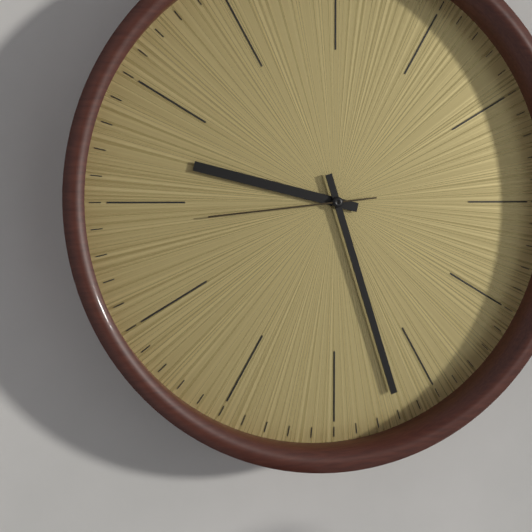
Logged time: 9,27,44
